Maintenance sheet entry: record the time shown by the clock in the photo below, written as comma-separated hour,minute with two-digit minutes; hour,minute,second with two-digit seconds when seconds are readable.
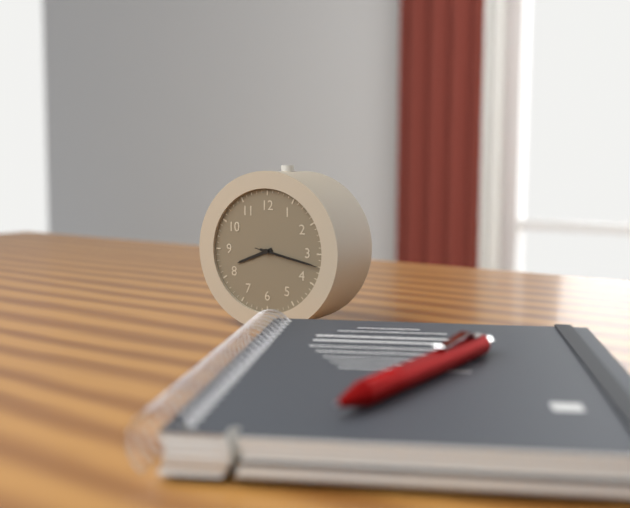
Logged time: 8,17,17
